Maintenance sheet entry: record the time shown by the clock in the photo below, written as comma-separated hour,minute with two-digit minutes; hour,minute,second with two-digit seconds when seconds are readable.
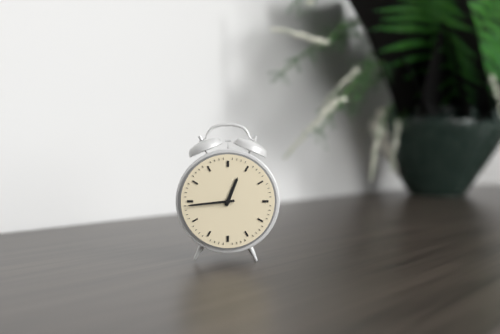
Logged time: 12,44
